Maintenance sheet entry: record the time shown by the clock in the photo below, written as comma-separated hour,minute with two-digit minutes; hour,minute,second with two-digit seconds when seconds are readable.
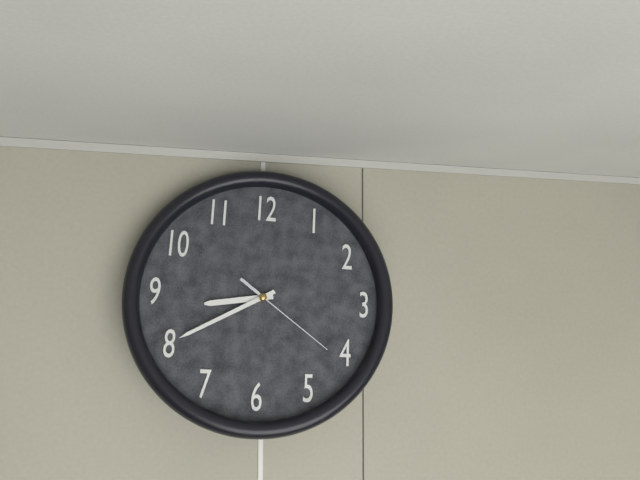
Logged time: 8,40,21
